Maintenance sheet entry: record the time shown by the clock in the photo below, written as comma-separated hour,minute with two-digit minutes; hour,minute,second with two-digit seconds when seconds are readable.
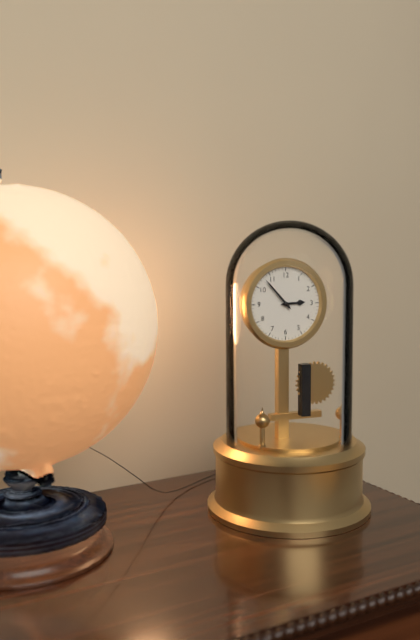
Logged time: 2,53
